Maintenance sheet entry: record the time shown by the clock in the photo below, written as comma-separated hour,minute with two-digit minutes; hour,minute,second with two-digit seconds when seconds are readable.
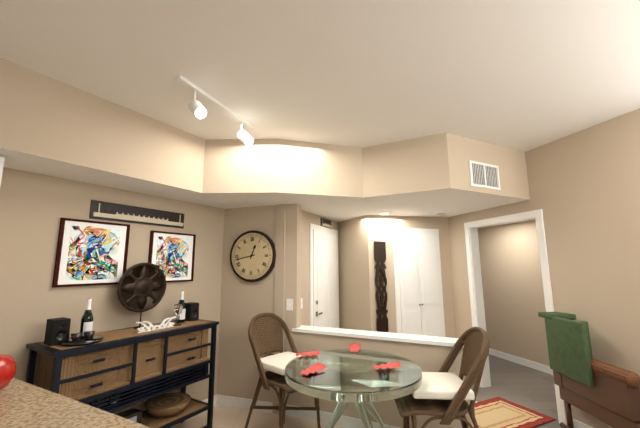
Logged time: 12,43
